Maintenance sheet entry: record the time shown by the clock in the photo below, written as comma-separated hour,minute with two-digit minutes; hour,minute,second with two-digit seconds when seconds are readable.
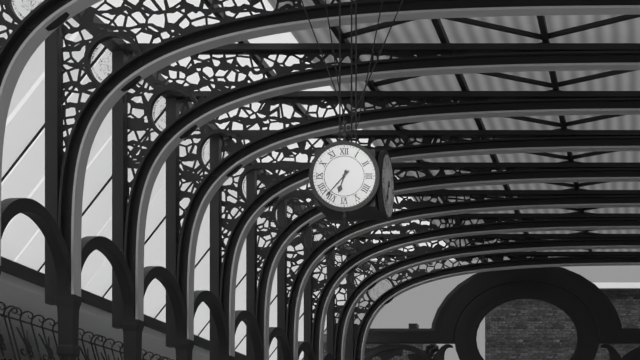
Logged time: 6,37
